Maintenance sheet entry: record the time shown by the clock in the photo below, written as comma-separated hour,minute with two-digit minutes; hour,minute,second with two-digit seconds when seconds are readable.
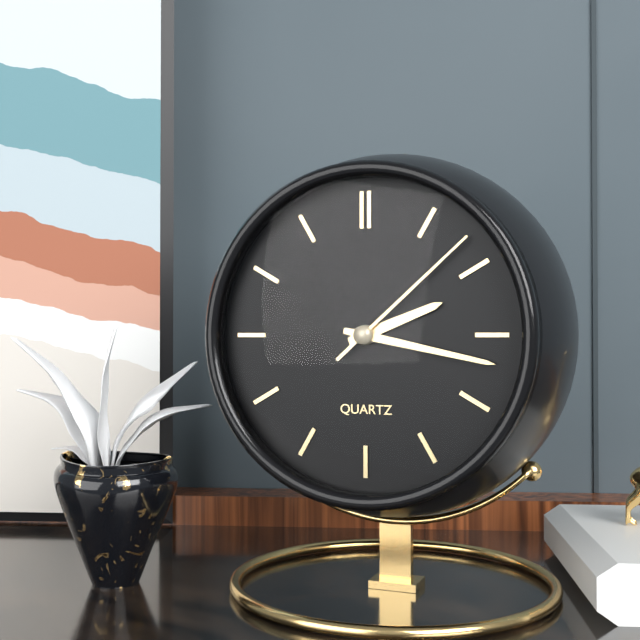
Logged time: 2,17,08
